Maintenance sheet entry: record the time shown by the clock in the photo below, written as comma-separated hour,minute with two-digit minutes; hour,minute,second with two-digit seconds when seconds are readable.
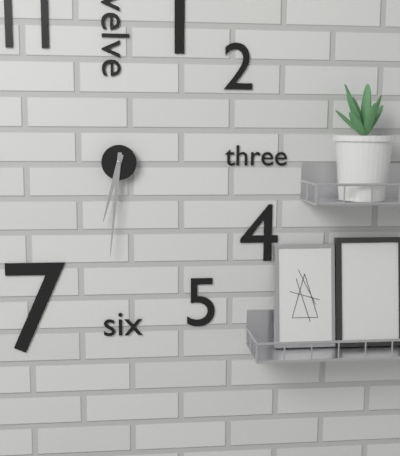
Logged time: 6,31
